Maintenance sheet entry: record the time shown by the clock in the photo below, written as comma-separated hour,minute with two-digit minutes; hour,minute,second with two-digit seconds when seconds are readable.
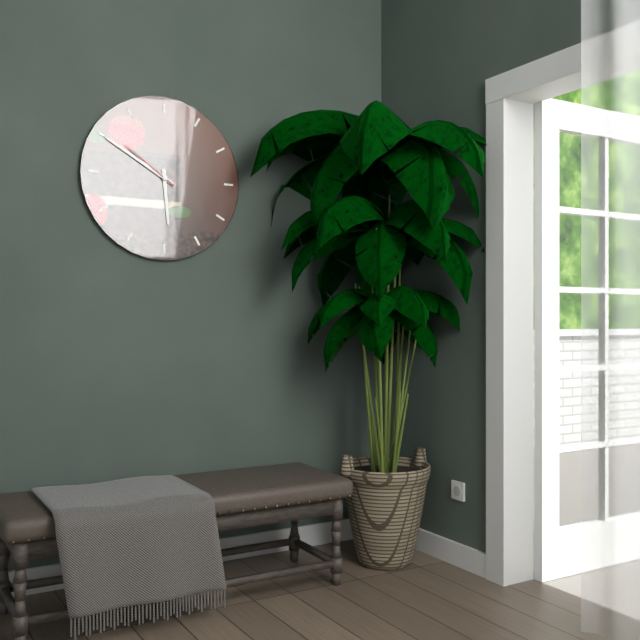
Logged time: 5,50,51
